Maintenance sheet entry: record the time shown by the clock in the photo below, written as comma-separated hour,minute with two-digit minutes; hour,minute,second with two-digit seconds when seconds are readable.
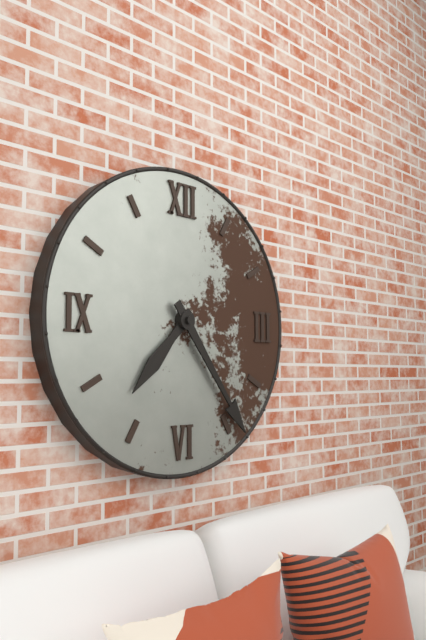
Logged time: 7,24
